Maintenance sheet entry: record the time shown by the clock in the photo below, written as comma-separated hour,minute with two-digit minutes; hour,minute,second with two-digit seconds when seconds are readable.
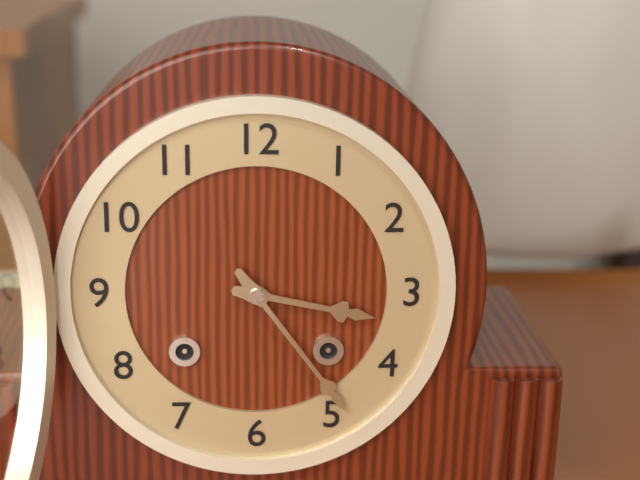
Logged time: 3,24
